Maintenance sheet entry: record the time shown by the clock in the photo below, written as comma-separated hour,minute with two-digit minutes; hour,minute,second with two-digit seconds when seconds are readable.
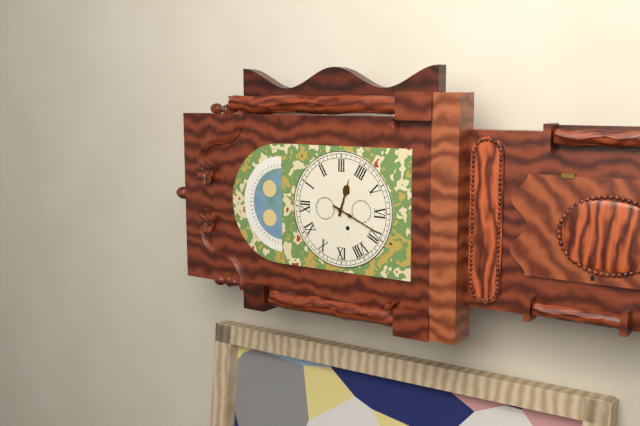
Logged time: 3,34
